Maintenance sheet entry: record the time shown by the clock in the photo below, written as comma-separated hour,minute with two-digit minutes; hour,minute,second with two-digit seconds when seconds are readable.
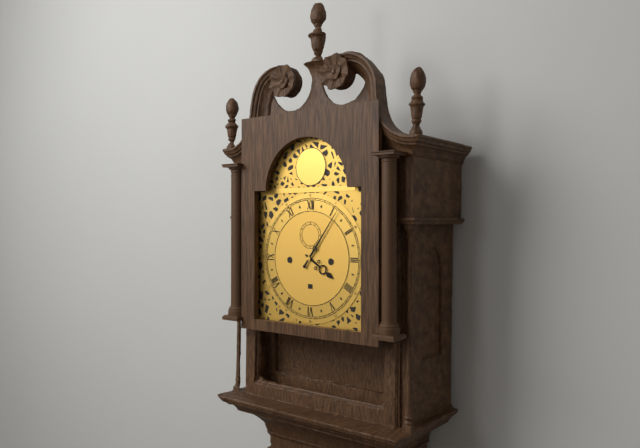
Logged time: 4,06
